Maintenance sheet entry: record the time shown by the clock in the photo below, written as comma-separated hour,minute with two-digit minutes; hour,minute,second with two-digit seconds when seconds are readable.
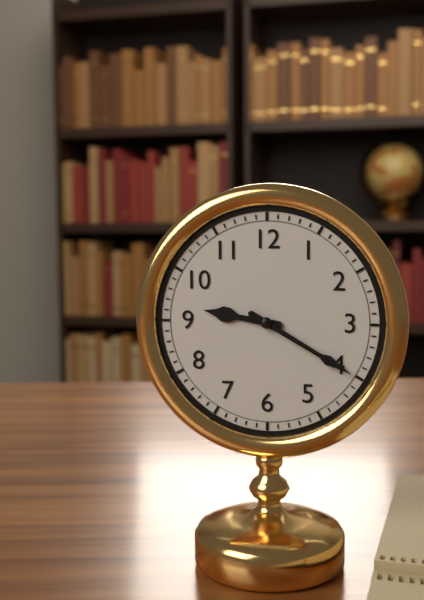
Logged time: 9,20
